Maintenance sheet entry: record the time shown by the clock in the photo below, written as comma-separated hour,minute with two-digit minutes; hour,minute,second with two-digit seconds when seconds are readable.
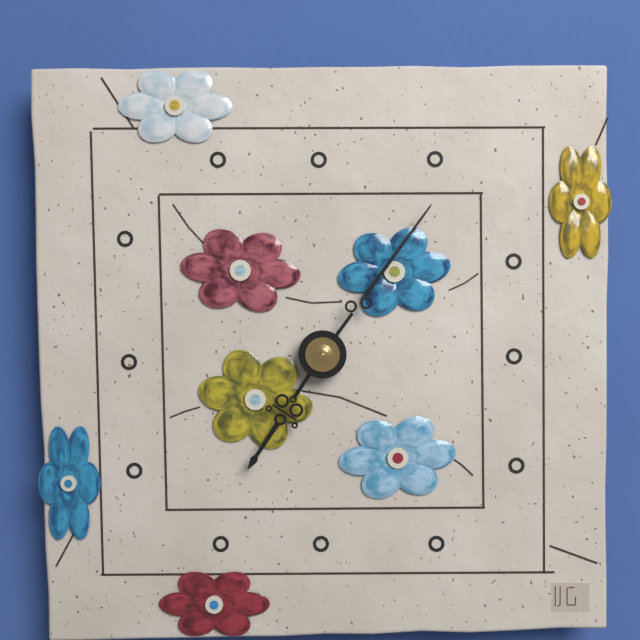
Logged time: 7,06
